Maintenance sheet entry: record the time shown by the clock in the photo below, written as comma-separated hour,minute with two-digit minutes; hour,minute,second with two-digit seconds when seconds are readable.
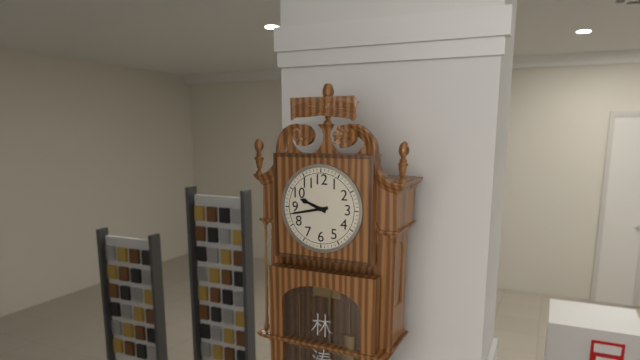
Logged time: 9,43
